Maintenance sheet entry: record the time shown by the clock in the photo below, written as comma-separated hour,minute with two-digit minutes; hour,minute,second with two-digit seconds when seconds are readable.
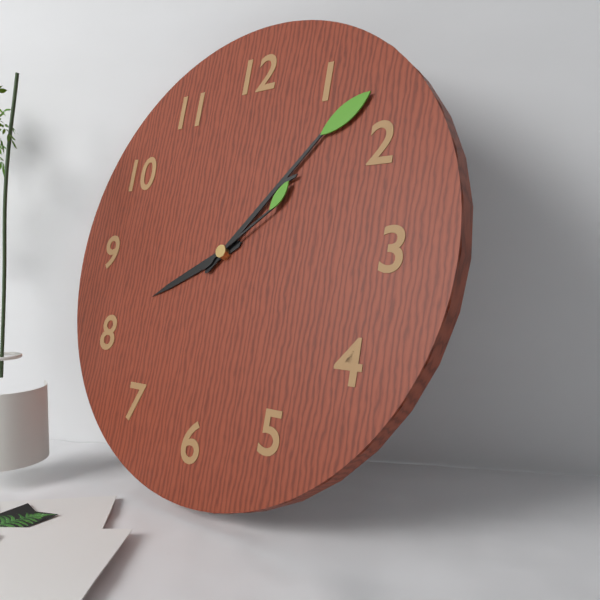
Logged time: 8,07,09
